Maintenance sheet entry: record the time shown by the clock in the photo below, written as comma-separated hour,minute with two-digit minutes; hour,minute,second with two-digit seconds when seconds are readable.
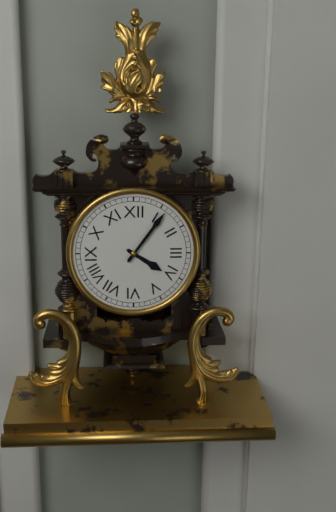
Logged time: 4,06
